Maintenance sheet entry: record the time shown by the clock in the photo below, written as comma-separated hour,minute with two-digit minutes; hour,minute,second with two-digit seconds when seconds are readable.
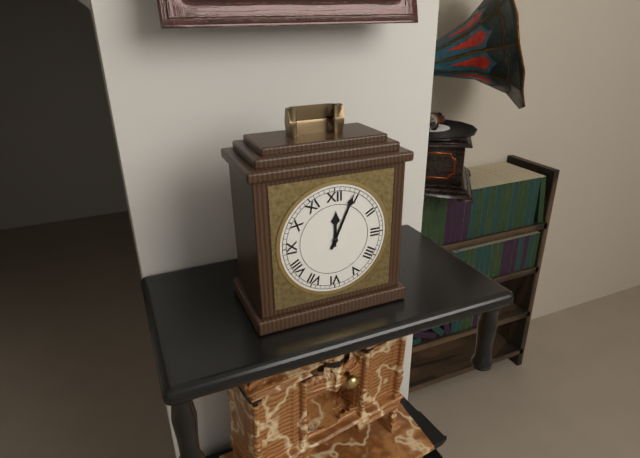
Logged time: 12,04
